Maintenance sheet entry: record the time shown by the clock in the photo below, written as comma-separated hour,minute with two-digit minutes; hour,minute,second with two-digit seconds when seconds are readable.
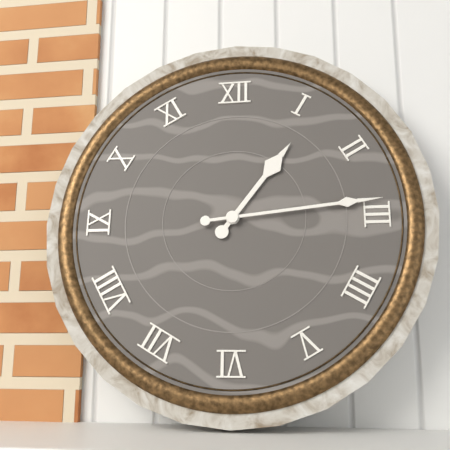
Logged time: 1,14
